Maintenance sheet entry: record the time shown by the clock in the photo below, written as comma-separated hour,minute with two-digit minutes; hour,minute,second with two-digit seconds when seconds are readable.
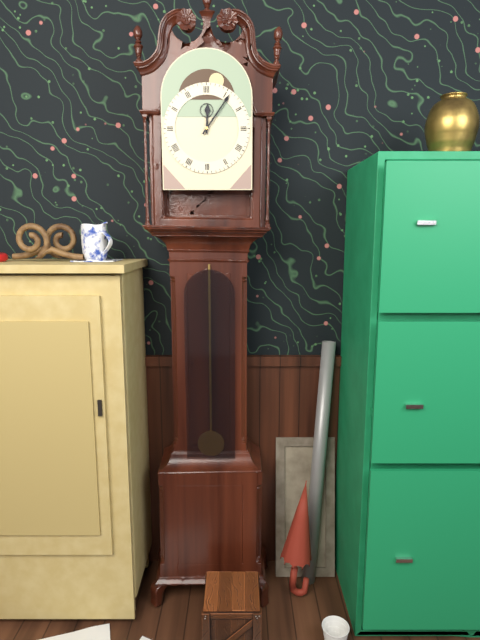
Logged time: 12,06
